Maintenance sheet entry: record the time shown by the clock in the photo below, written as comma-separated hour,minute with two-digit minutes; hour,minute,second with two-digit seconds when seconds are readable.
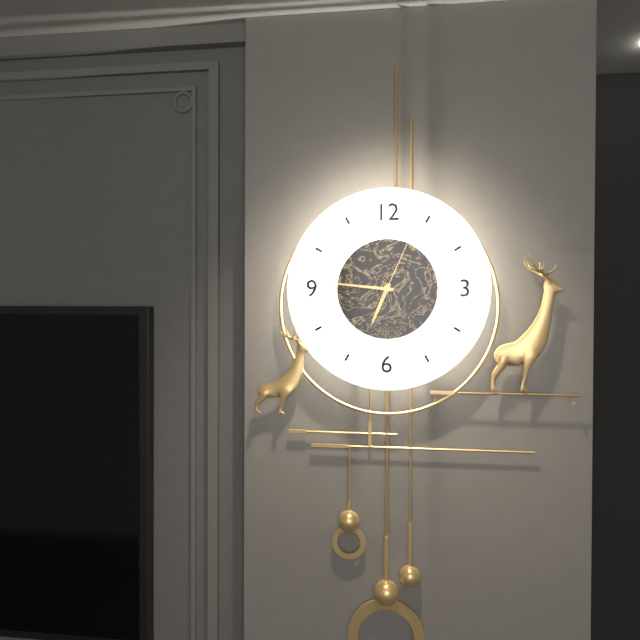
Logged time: 6,46,04
